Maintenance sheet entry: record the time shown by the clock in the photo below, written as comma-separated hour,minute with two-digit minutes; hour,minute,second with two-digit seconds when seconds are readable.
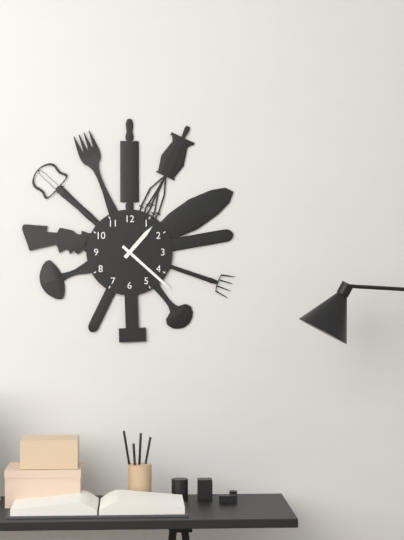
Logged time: 1,22
